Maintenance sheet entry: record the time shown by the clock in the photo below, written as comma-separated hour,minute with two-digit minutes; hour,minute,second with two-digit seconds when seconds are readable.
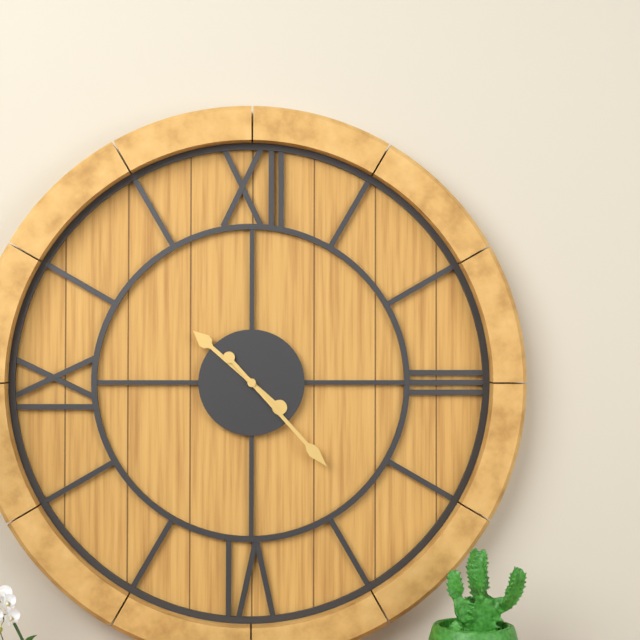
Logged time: 10,23
